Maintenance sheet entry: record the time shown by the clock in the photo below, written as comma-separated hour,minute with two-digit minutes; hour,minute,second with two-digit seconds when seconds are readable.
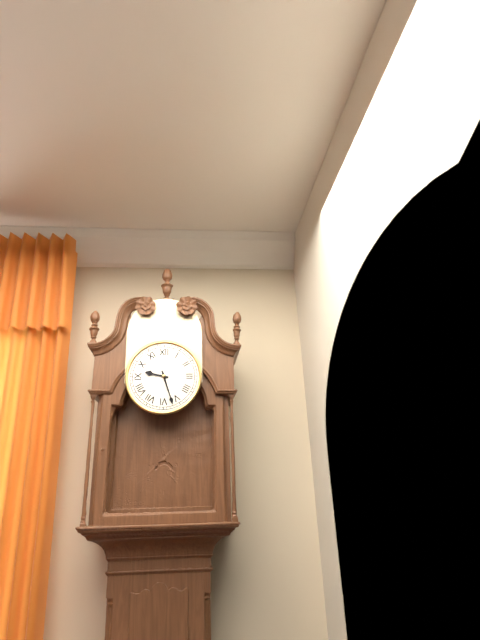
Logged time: 9,27
